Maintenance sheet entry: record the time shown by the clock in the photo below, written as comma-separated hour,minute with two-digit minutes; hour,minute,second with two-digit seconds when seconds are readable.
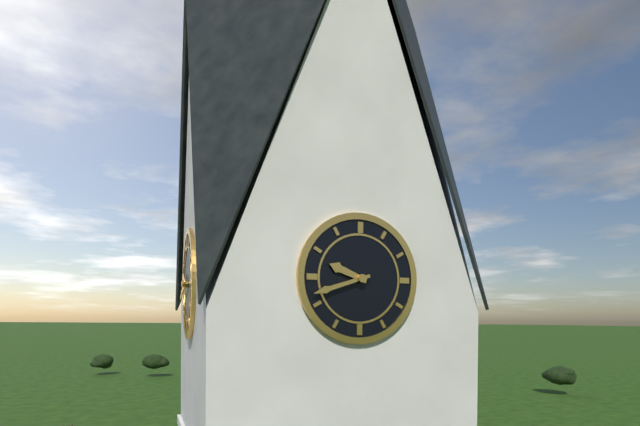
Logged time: 9,42
